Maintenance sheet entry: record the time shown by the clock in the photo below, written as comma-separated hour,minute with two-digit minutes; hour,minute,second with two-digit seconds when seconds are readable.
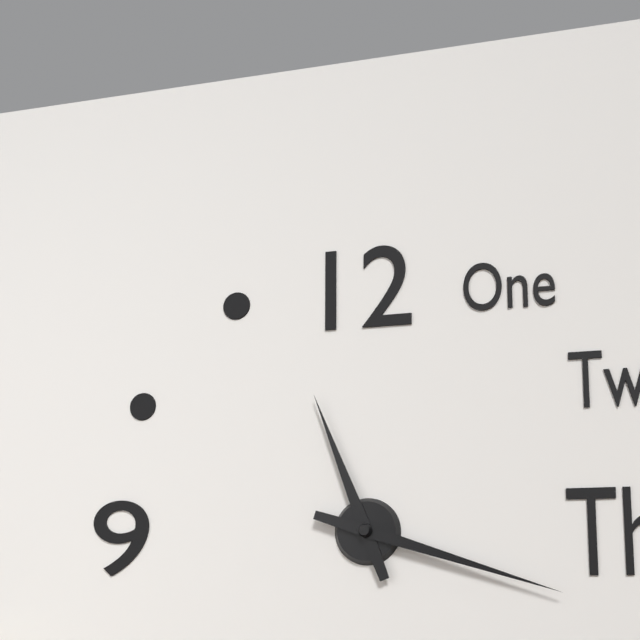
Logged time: 11,18
